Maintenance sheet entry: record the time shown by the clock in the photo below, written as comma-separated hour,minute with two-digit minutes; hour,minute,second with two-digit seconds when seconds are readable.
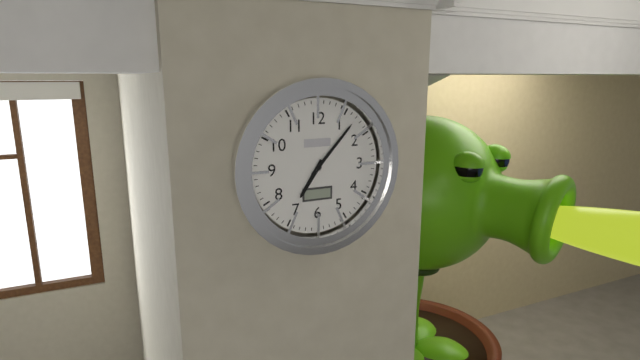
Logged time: 7,07
